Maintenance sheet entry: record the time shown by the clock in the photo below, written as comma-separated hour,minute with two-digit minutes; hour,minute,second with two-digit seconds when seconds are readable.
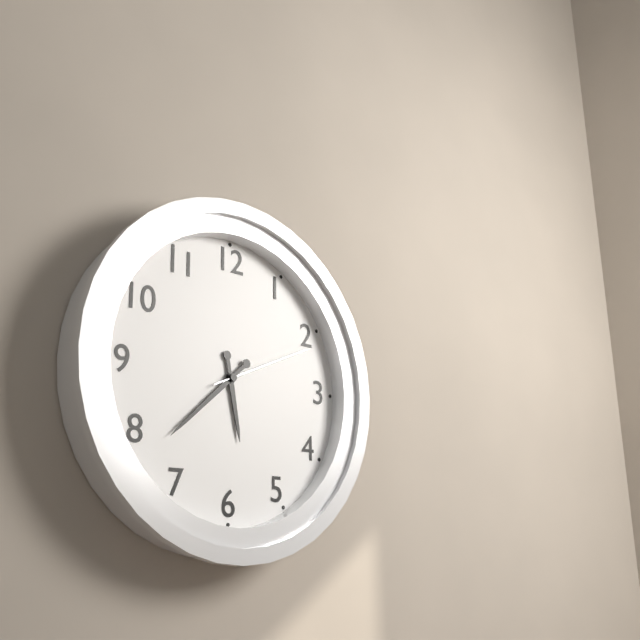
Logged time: 5,38,11
